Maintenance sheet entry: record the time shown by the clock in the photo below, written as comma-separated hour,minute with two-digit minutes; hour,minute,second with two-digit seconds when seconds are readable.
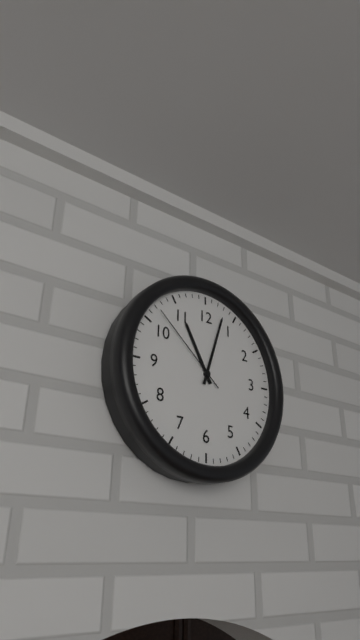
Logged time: 11,03,52
